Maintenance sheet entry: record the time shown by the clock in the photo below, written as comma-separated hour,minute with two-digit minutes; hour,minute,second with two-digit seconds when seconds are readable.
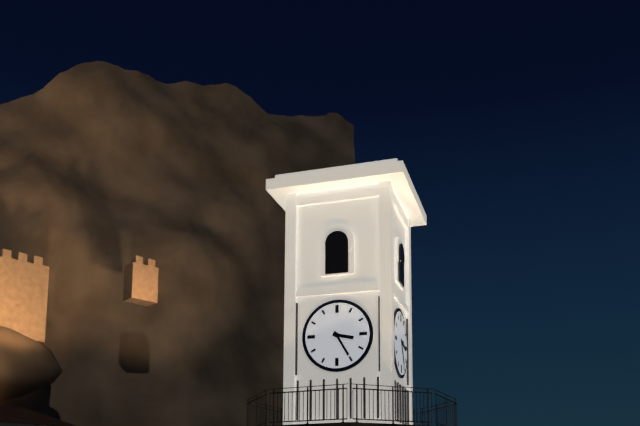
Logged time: 3,25
